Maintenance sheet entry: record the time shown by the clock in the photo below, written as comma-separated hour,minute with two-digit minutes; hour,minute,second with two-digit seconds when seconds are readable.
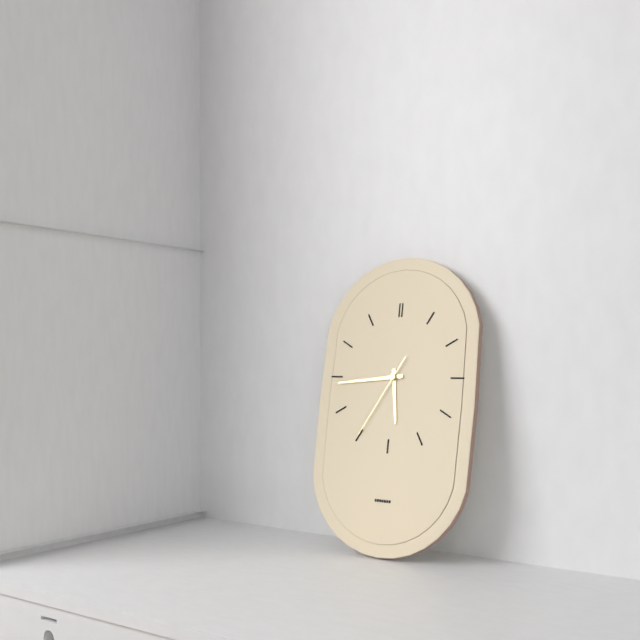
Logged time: 5,44,35
